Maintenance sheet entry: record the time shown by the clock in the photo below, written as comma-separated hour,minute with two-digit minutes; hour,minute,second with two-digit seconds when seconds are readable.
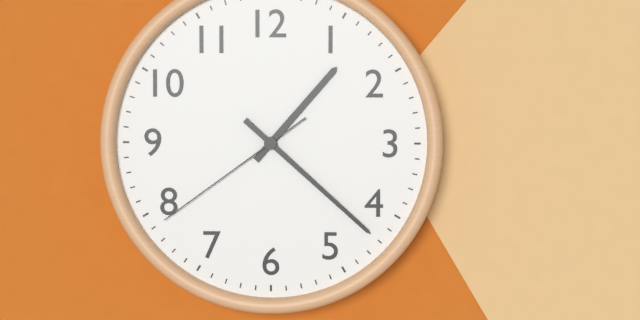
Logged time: 1,22,39
